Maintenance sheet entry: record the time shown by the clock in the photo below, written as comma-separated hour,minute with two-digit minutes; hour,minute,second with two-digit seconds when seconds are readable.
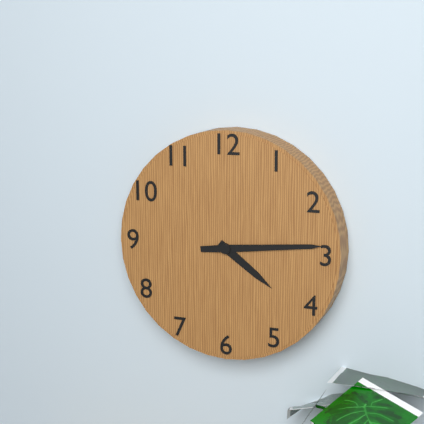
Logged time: 4,14
